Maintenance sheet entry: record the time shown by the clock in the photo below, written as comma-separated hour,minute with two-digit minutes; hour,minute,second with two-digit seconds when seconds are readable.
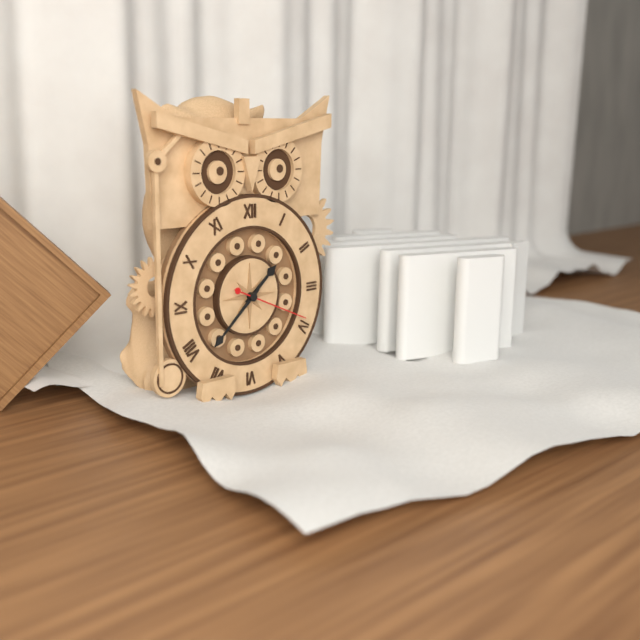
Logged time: 1,38,19
